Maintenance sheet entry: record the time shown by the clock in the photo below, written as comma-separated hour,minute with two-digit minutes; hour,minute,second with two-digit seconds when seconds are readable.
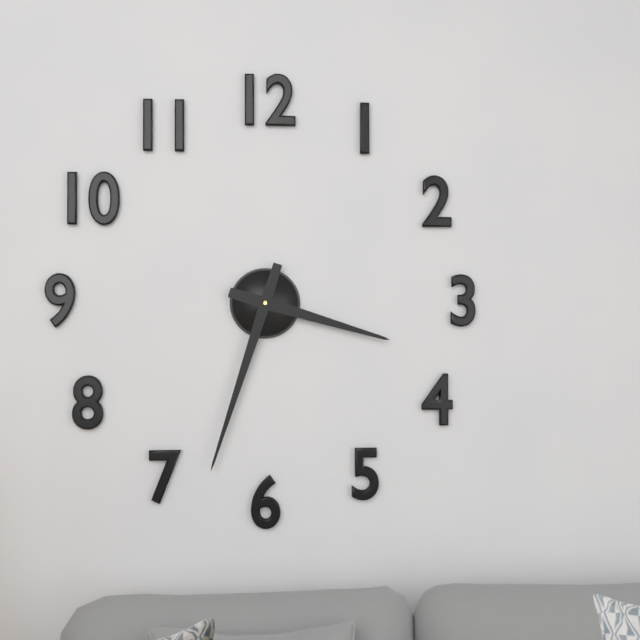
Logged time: 3,33
